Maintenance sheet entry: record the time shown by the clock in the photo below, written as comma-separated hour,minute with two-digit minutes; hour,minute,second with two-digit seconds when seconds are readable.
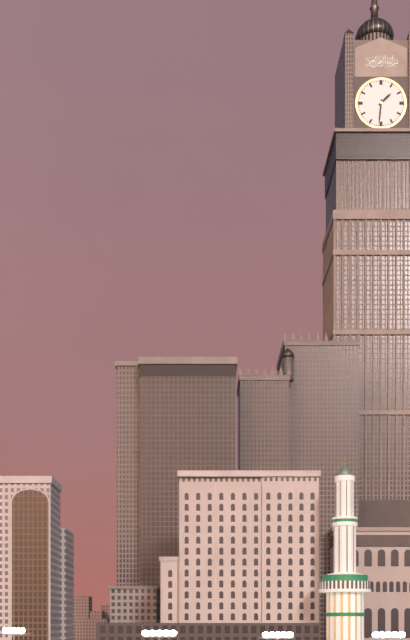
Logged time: 1,31
